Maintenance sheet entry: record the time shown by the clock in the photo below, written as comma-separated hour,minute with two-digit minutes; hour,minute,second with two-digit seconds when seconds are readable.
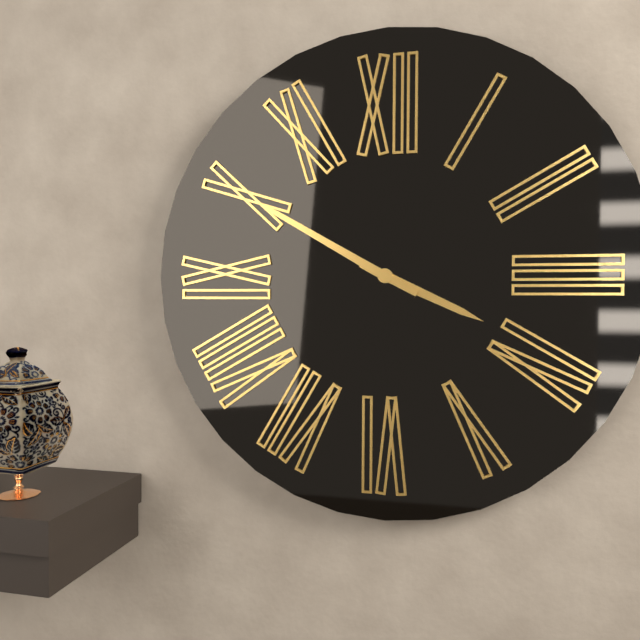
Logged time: 3,50
